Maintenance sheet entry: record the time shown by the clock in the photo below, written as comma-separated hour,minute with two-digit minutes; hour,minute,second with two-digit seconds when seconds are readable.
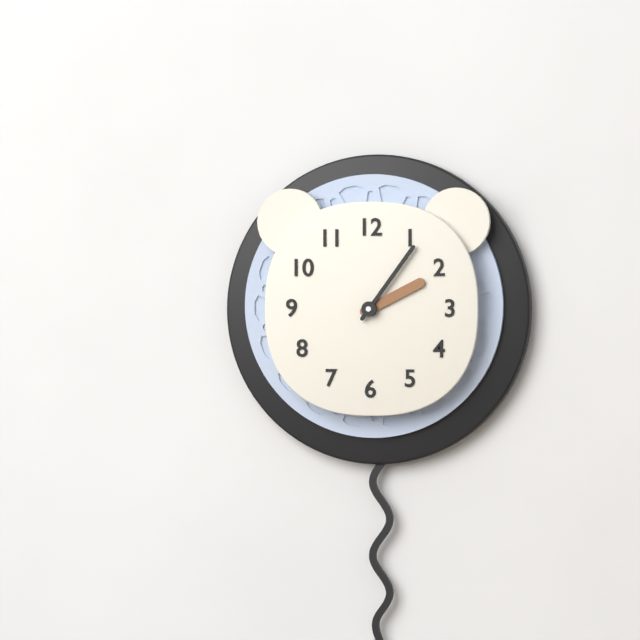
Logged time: 2,06
